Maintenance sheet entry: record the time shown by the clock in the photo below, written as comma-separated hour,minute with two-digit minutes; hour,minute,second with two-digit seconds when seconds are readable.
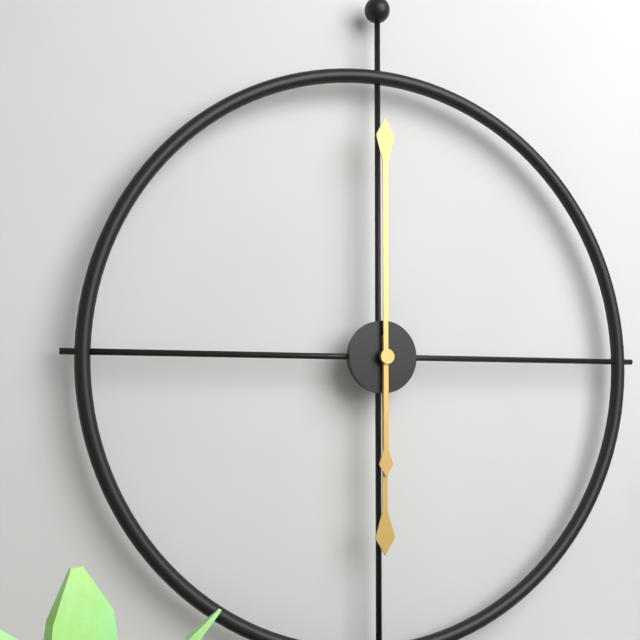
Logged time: 6,00
